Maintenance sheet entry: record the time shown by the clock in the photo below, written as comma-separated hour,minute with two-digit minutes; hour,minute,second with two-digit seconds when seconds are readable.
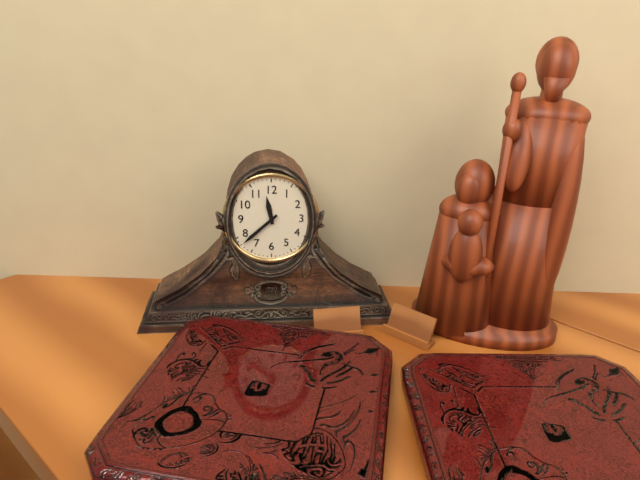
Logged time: 11,38
